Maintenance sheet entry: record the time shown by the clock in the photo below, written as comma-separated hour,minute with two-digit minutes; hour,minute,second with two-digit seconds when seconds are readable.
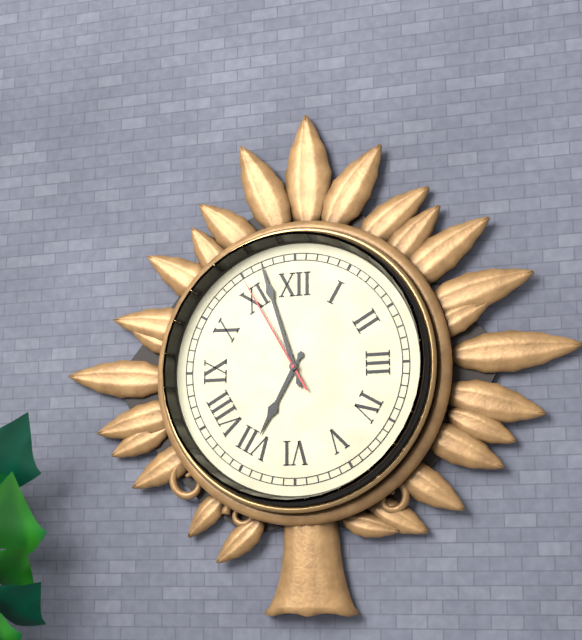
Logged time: 6,57,55
